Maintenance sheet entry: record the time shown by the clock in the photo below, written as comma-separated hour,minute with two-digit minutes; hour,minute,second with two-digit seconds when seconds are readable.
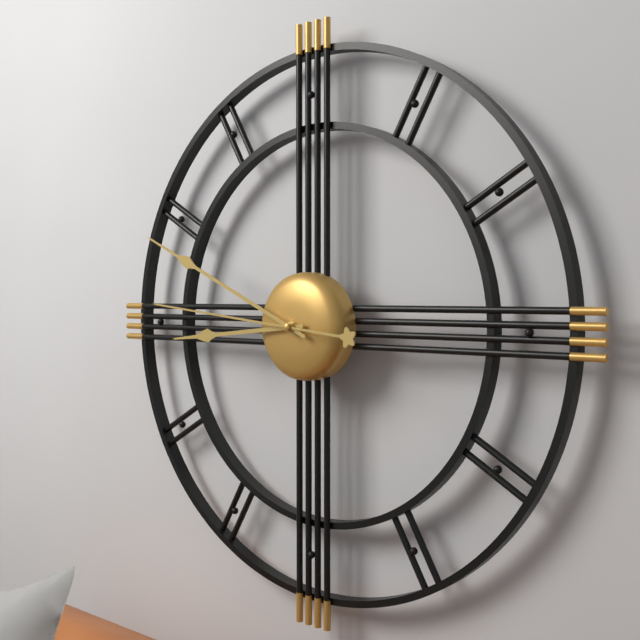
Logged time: 8,49,46
